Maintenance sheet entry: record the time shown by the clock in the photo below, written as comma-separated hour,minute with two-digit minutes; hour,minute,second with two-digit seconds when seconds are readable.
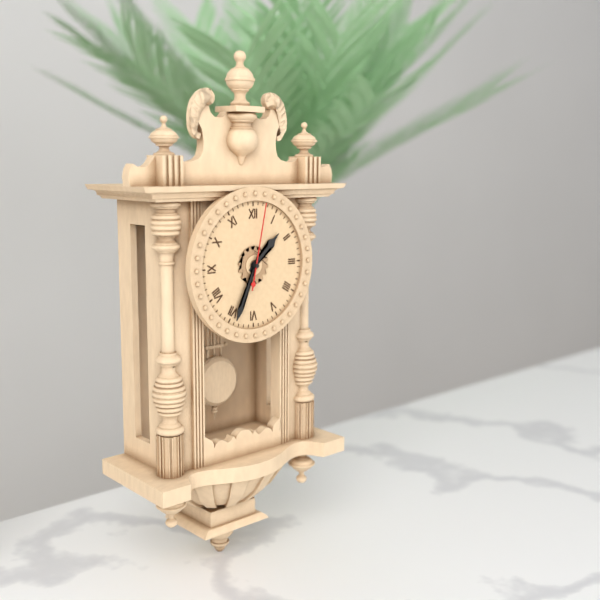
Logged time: 1,34,02
